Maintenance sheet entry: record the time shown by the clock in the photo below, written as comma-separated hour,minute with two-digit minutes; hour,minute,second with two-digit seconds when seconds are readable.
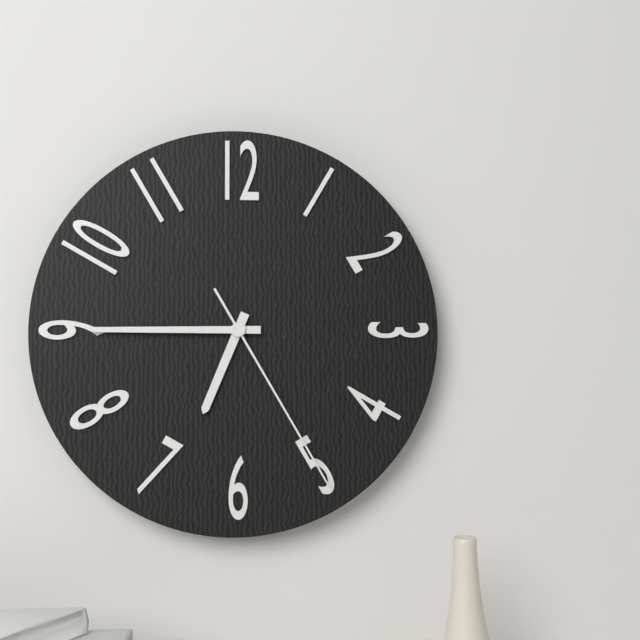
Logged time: 6,45,25
